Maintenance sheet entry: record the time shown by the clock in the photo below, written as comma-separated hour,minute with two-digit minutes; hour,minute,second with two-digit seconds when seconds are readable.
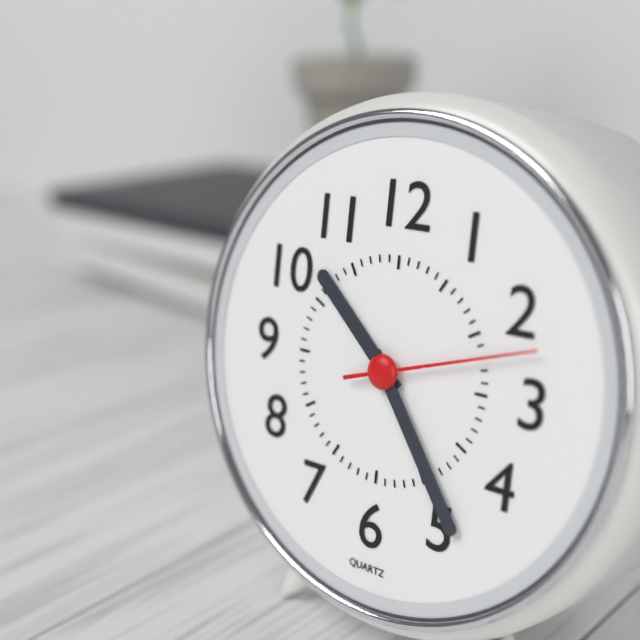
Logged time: 10,24,12
